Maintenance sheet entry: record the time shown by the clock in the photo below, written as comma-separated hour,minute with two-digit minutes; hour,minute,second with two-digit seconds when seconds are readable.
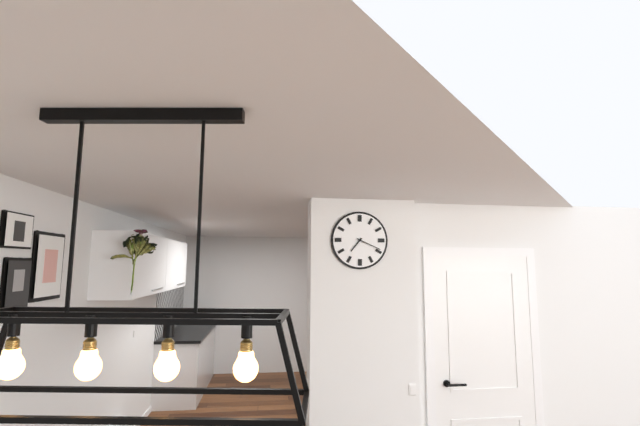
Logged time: 7,19
